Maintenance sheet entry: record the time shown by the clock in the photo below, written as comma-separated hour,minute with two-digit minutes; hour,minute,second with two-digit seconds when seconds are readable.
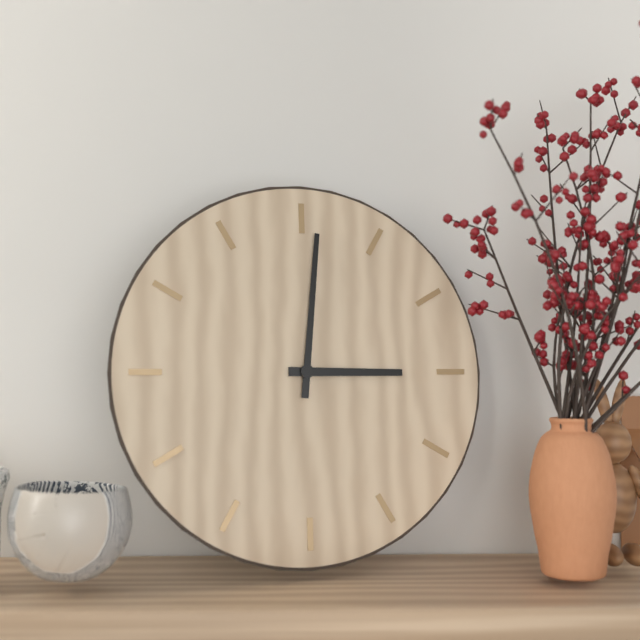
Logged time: 3,01
